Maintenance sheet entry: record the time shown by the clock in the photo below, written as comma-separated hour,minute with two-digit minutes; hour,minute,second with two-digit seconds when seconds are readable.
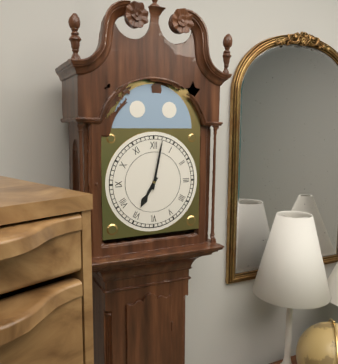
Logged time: 7,02
